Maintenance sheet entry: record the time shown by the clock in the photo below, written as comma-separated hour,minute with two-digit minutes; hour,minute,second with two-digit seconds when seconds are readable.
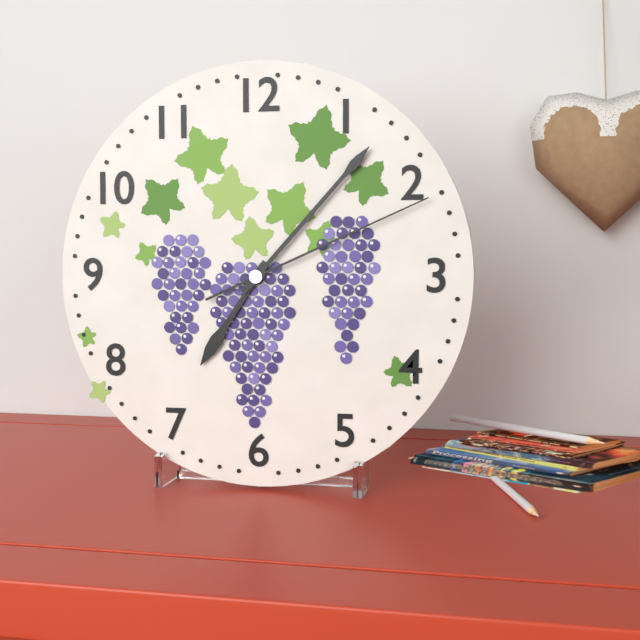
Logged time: 7,07,11
